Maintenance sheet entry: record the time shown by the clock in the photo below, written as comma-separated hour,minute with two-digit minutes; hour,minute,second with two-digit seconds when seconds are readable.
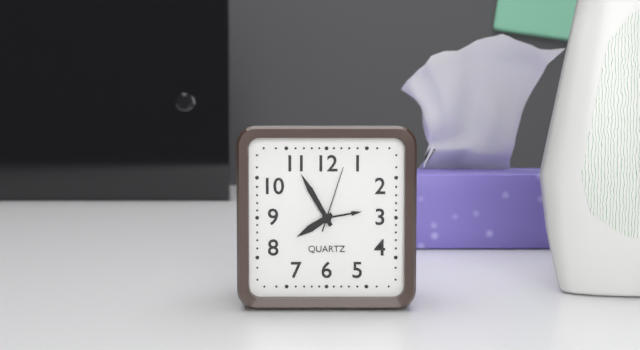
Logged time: 7,55,03
